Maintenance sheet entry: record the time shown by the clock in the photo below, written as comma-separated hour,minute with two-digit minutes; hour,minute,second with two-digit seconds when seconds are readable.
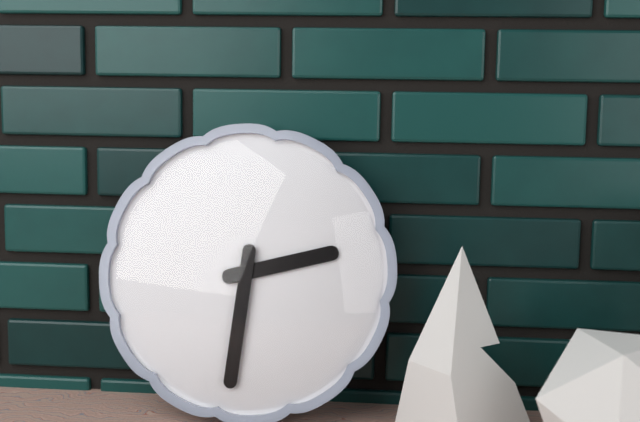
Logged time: 2,31
